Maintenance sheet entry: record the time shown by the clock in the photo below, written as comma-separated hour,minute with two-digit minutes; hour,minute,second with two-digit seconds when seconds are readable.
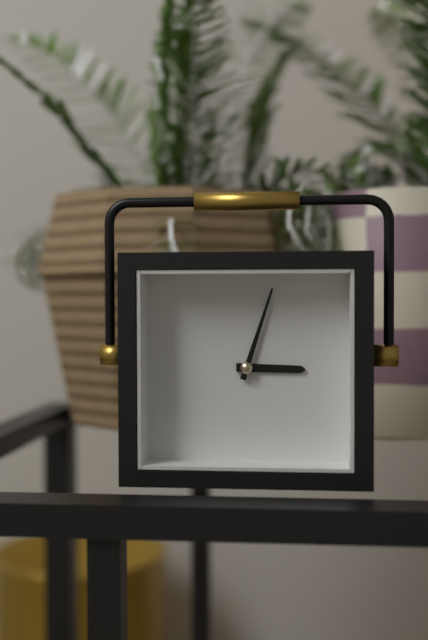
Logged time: 3,03
